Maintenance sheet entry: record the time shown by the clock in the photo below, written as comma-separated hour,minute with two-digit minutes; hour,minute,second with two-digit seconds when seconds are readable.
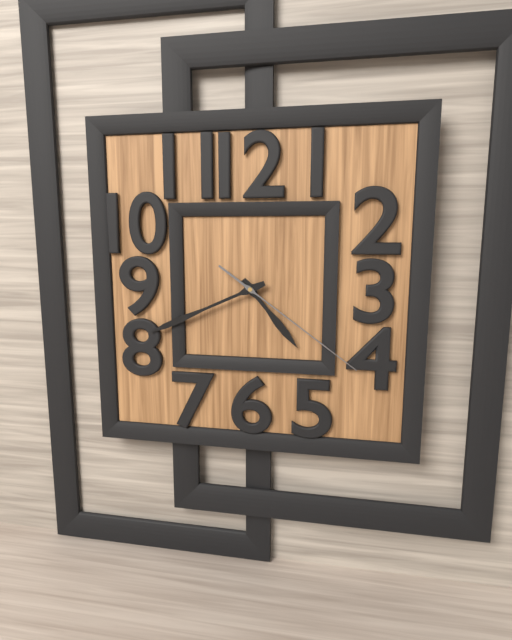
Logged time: 4,41,21
